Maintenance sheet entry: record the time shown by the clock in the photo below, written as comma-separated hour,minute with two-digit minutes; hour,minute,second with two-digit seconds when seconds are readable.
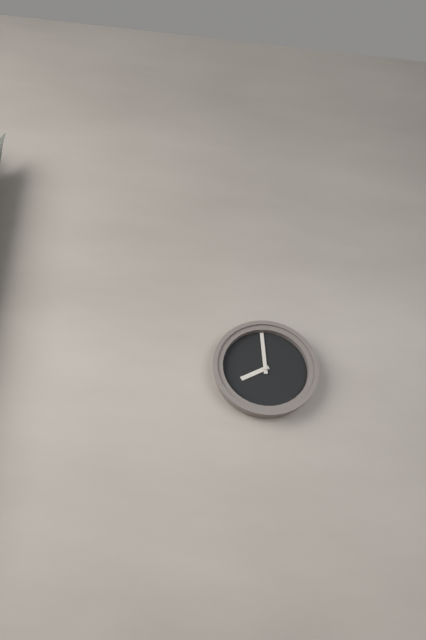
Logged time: 7,59
